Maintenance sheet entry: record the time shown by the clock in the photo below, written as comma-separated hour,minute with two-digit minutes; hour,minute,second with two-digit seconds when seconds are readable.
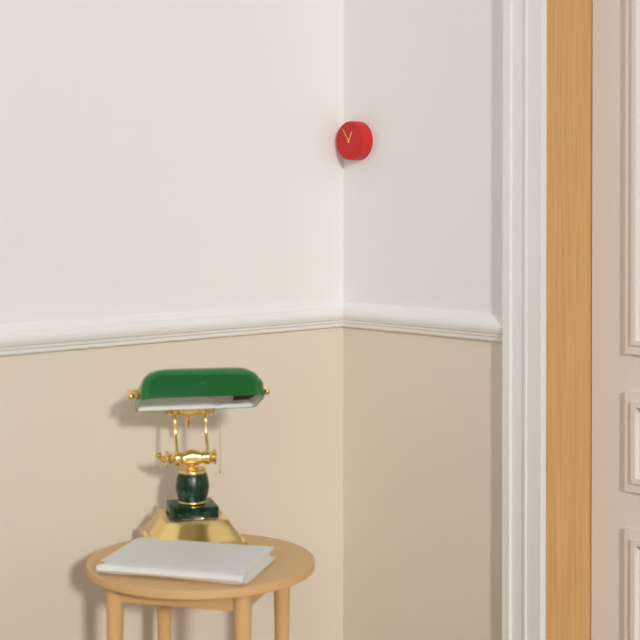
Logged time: 12,54
